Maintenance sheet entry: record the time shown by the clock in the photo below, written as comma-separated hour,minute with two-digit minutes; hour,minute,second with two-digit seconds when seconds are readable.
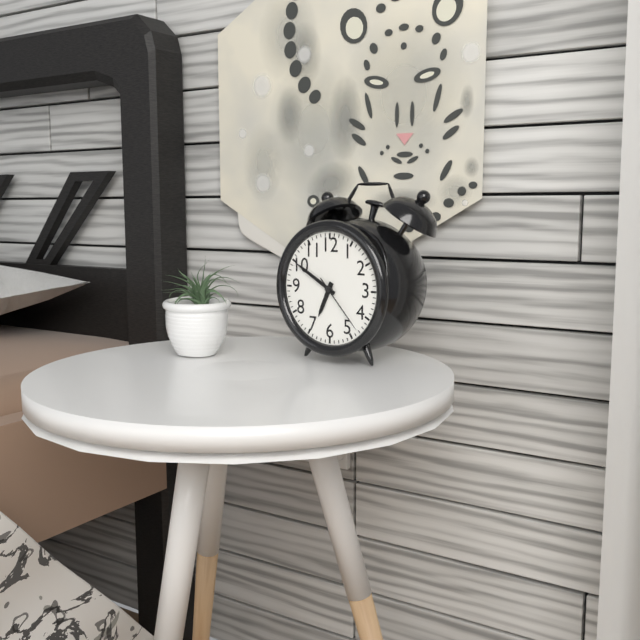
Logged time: 6,50,23
